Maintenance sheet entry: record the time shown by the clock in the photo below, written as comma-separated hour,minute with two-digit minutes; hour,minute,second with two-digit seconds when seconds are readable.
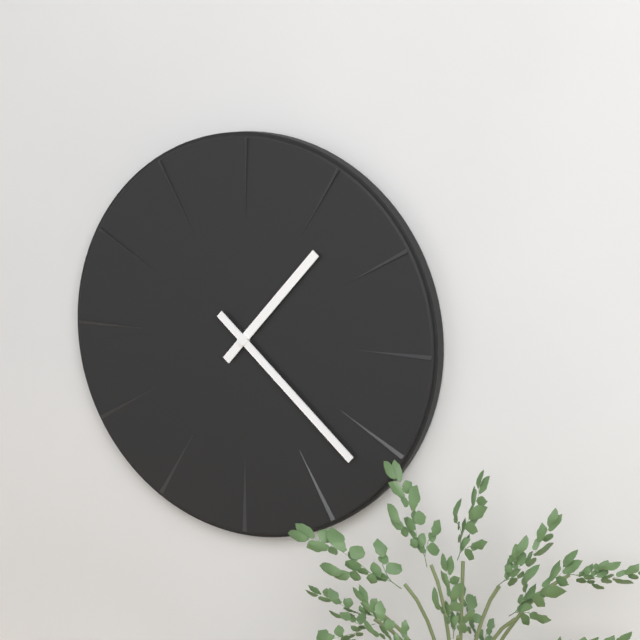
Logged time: 1,22
